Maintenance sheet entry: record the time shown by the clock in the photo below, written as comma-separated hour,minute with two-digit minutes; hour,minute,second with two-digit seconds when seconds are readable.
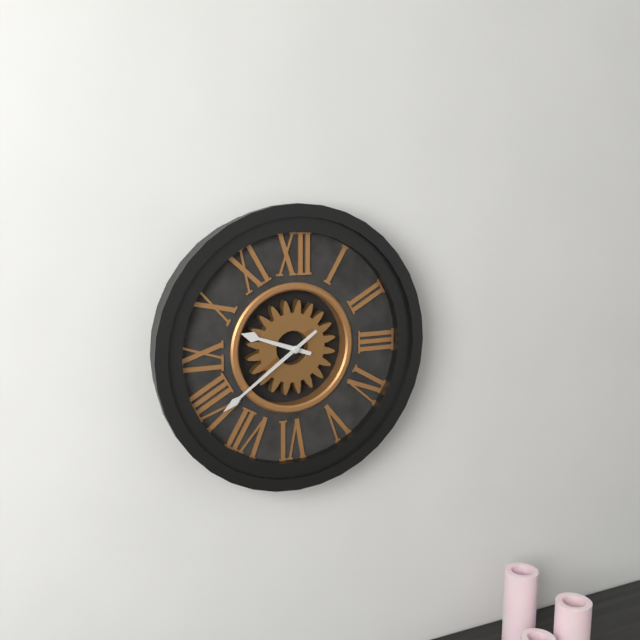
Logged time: 9,39
